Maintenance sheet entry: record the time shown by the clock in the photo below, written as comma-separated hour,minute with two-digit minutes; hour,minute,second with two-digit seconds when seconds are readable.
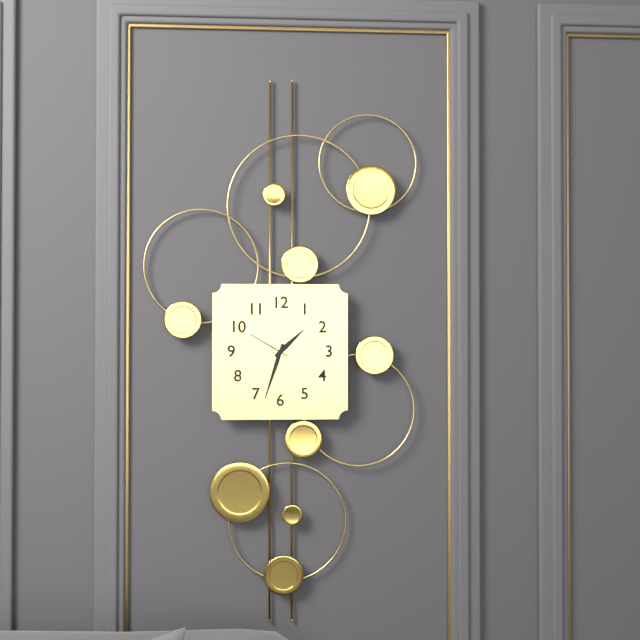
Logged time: 1,33
